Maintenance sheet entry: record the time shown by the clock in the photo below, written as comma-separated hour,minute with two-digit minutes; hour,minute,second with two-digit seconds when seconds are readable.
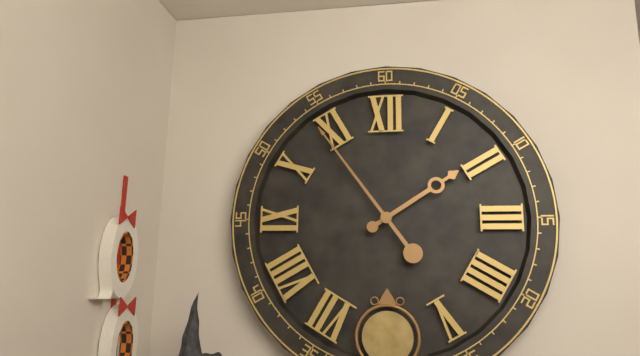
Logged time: 1,54
